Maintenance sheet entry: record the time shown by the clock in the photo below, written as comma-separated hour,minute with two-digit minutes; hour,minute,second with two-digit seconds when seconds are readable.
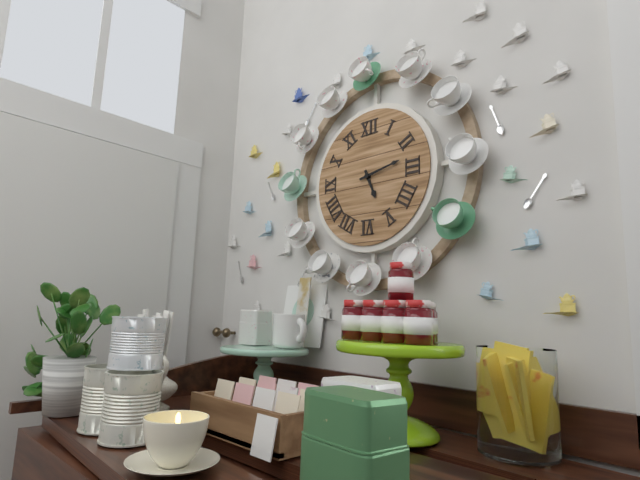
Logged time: 5,13
